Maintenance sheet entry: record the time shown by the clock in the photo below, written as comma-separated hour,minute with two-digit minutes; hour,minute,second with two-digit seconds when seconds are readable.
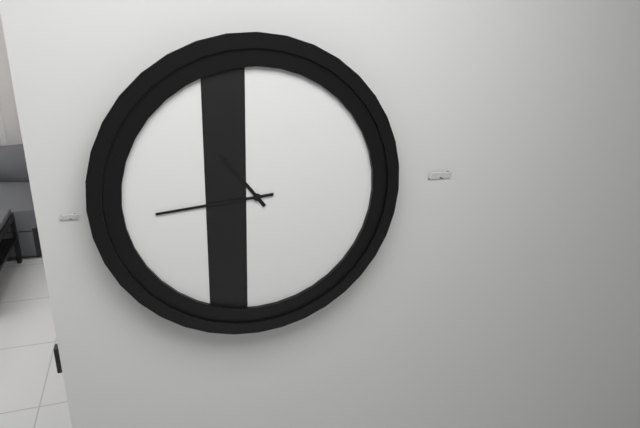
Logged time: 10,44
